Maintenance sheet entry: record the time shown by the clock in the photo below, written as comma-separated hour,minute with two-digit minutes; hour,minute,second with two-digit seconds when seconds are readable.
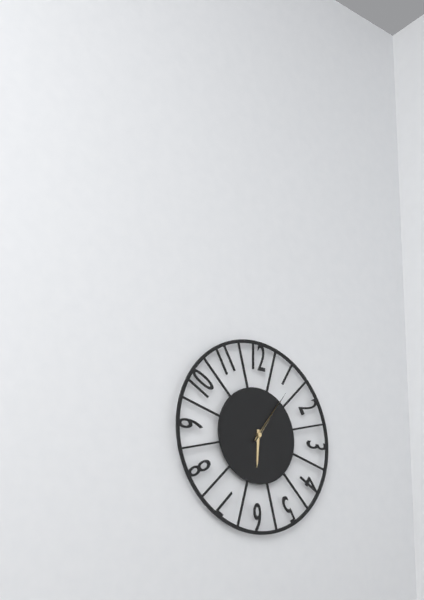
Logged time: 6,06,06
